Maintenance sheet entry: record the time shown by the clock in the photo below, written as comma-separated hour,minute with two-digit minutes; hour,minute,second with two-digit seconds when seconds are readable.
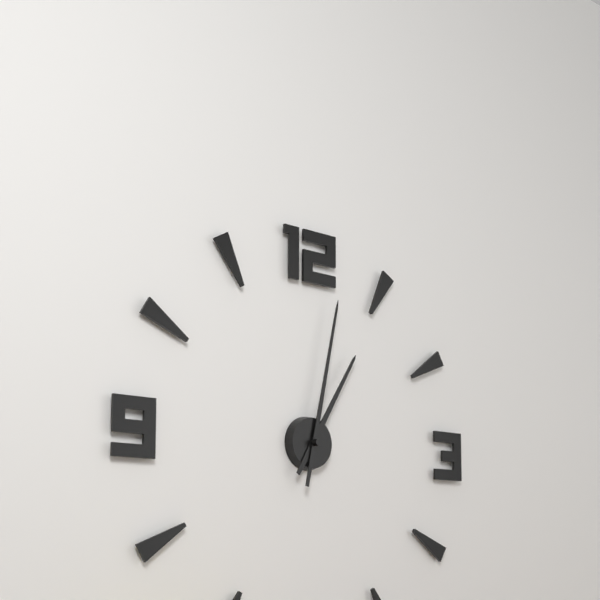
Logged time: 1,02
